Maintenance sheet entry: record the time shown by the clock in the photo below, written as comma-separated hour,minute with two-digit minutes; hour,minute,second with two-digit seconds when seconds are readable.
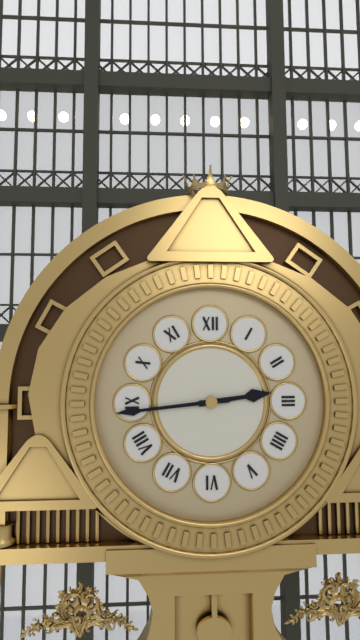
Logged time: 2,44
